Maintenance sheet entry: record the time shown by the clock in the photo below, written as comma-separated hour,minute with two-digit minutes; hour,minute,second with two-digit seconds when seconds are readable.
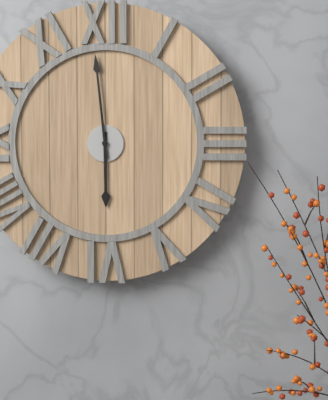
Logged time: 5,59
